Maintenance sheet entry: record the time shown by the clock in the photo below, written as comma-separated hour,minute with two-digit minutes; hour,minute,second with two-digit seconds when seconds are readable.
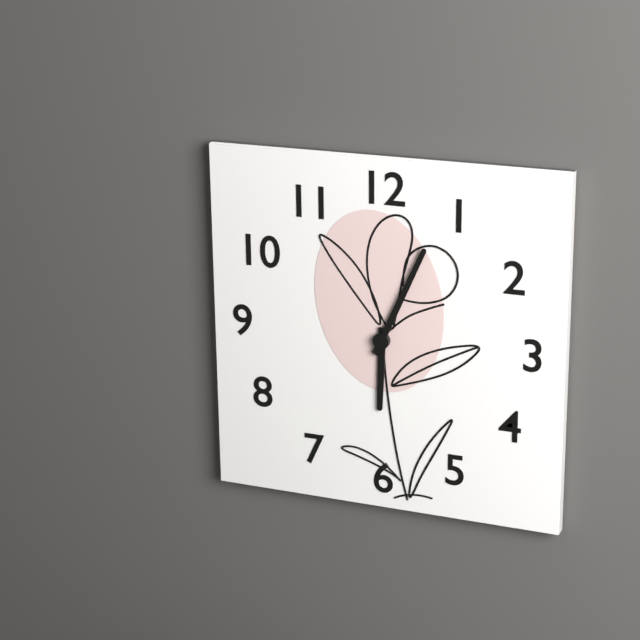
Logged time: 6,04
